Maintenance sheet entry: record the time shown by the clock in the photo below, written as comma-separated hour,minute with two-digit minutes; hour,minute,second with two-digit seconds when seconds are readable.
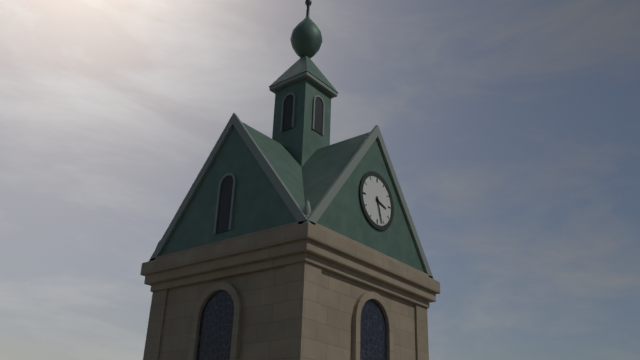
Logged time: 3,27
